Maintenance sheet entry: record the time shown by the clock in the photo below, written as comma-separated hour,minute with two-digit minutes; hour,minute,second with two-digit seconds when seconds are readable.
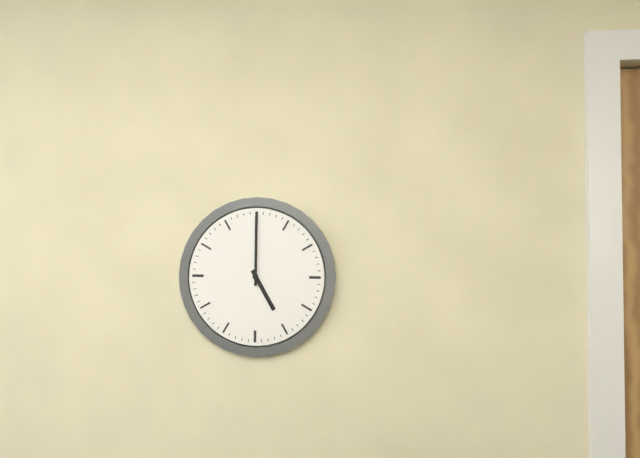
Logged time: 5,00
